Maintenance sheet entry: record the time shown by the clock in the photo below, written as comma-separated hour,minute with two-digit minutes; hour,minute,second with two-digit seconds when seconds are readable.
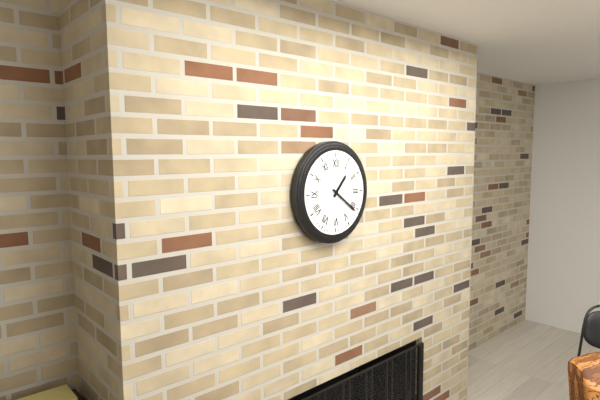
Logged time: 1,21
